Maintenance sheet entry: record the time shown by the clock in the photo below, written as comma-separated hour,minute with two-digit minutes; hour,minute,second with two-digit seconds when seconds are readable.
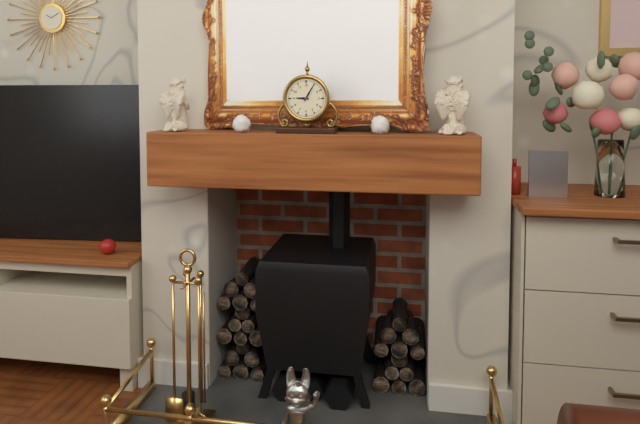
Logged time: 9,05
